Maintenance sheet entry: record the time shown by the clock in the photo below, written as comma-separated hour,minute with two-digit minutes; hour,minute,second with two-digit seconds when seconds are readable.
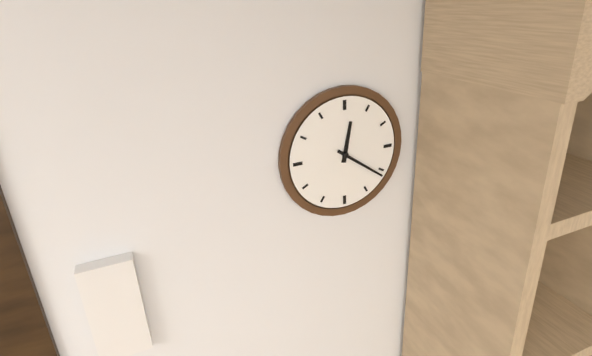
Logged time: 12,21
